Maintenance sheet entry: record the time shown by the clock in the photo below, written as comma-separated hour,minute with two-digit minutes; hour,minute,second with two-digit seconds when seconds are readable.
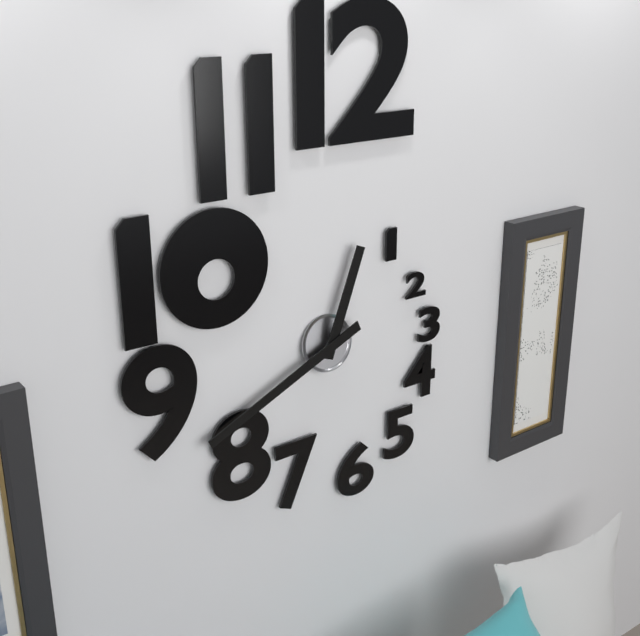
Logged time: 12,41
